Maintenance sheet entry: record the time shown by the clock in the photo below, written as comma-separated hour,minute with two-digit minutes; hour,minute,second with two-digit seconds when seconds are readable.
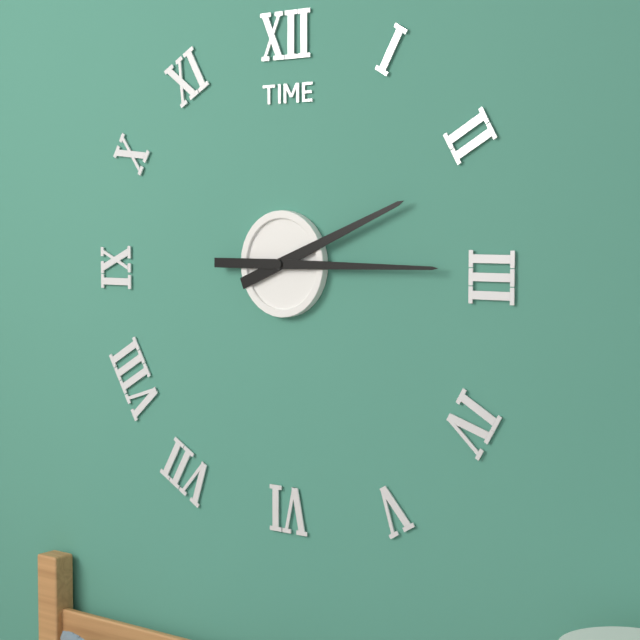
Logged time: 2,15
